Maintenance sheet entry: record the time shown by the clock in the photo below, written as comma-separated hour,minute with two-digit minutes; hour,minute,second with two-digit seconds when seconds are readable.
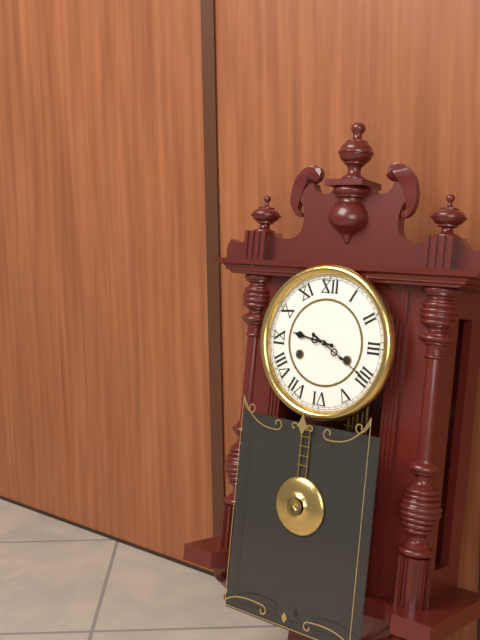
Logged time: 9,20
